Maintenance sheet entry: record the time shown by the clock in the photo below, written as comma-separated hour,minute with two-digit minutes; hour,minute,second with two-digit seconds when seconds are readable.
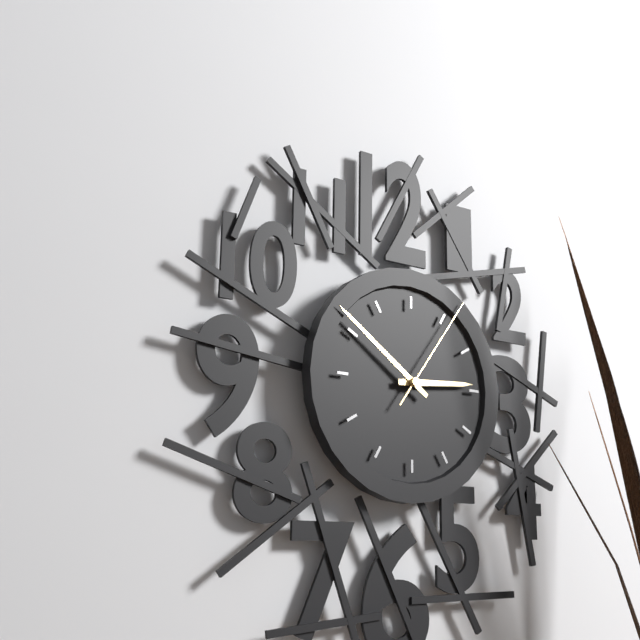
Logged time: 2,51,06
